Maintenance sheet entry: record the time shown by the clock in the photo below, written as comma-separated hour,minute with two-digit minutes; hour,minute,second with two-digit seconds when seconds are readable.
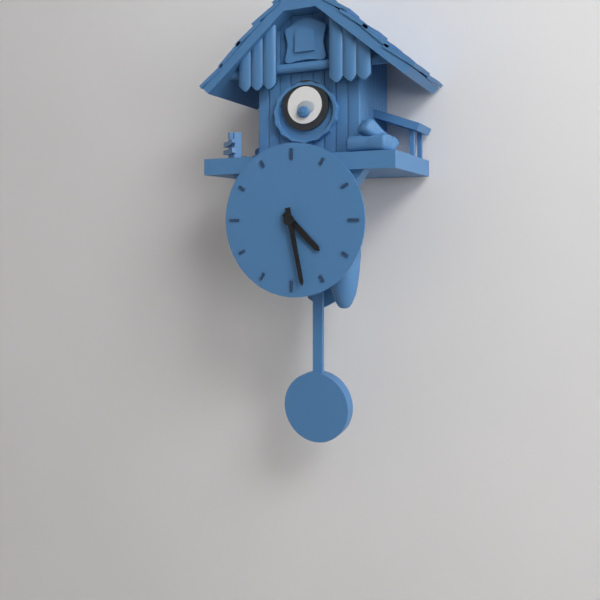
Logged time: 4,28
